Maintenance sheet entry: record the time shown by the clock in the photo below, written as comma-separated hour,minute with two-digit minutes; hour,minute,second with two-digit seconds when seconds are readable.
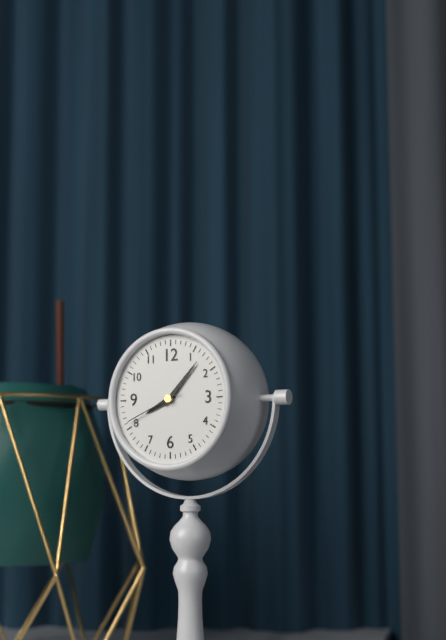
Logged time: 8,07,41
